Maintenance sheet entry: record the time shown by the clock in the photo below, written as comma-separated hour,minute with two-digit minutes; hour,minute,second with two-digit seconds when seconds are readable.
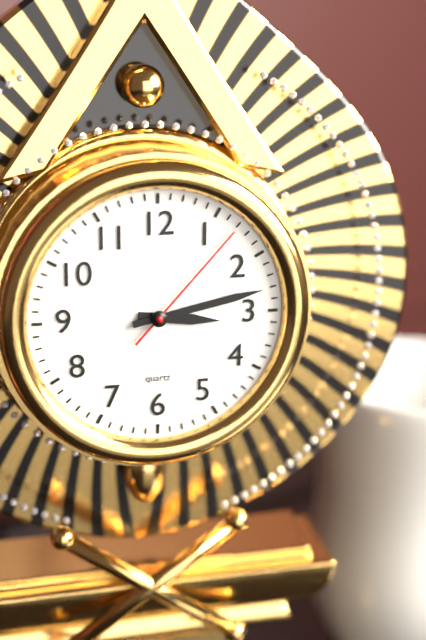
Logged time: 3,13,07
